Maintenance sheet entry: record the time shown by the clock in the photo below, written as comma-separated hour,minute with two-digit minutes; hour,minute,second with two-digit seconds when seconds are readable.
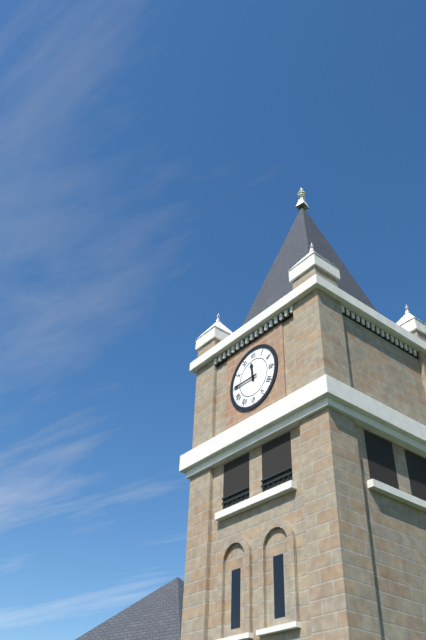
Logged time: 11,45
